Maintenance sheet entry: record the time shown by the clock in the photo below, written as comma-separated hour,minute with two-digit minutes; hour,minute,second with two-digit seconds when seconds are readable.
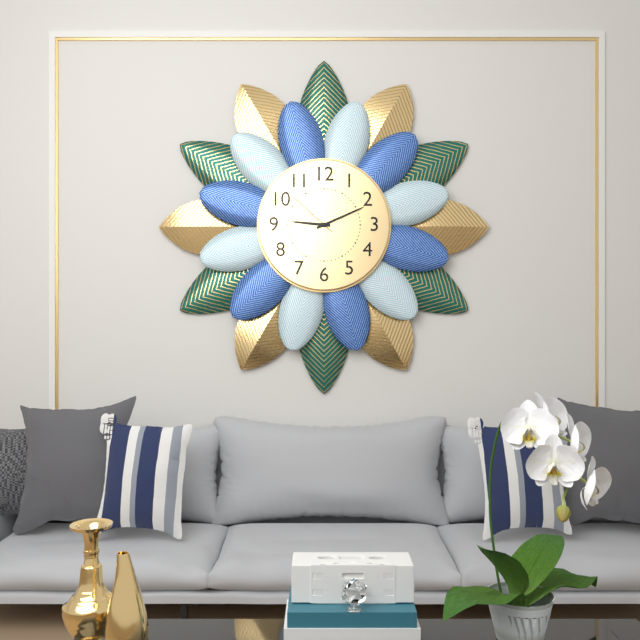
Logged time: 9,11,52
